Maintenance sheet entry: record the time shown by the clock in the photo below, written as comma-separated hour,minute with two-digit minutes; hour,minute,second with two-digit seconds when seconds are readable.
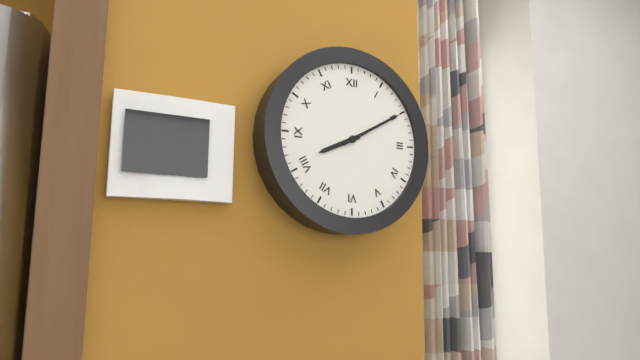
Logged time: 8,10
